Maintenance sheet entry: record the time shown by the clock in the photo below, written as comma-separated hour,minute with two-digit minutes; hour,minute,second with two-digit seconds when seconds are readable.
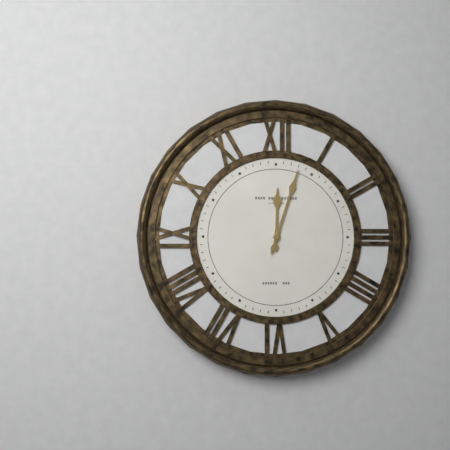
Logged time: 12,03
